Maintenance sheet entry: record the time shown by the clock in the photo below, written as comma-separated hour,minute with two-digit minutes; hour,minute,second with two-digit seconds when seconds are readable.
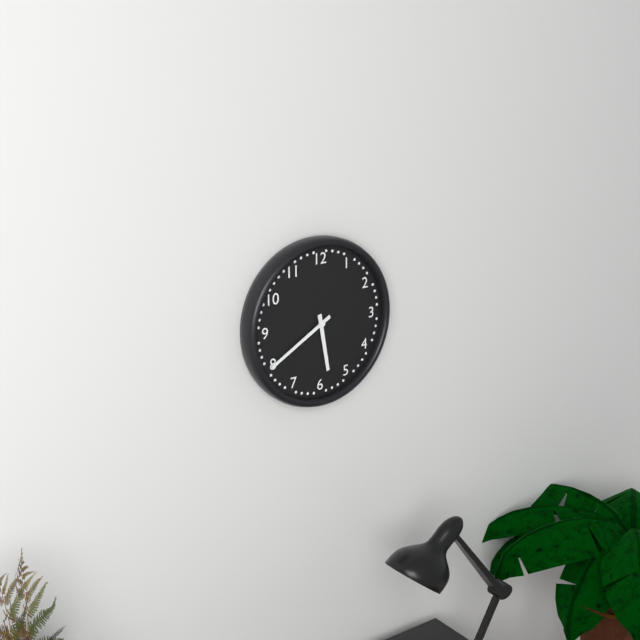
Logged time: 5,40
